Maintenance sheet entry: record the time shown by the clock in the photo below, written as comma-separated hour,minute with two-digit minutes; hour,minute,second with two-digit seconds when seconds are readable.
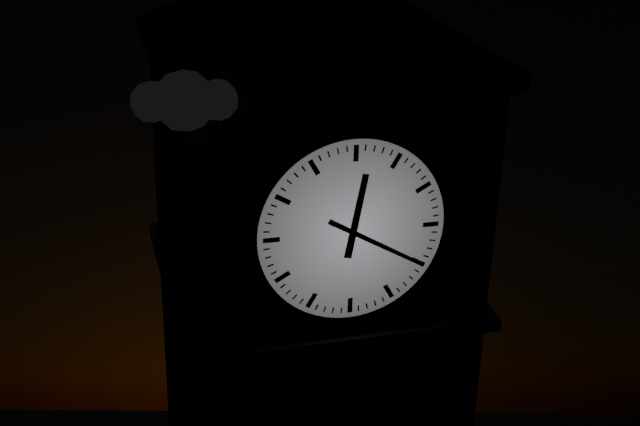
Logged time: 12,20
